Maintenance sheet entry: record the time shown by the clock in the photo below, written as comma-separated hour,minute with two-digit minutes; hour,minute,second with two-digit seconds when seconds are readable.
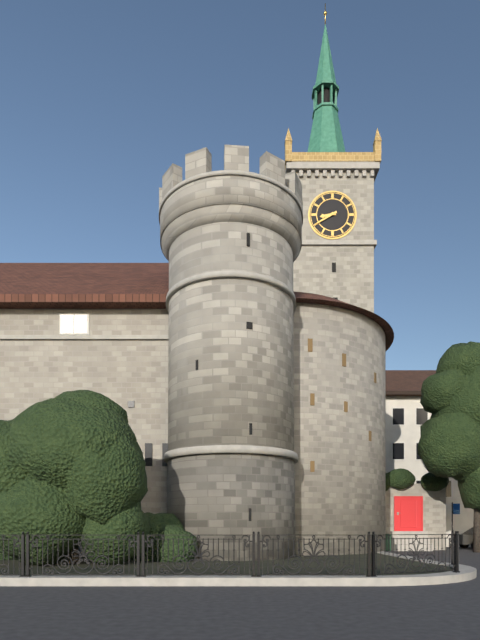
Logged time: 8,40
